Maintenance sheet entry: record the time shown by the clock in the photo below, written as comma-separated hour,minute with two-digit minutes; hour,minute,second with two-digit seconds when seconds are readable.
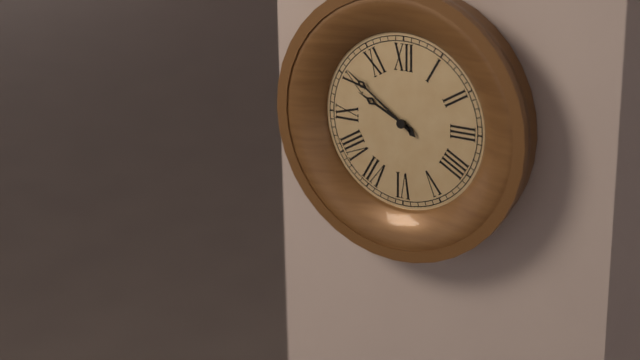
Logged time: 9,51
